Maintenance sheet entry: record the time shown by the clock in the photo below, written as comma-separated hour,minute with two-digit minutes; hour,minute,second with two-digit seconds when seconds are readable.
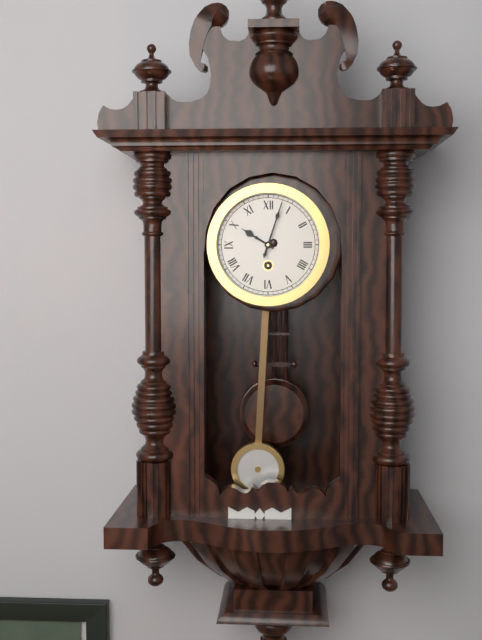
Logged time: 10,03
